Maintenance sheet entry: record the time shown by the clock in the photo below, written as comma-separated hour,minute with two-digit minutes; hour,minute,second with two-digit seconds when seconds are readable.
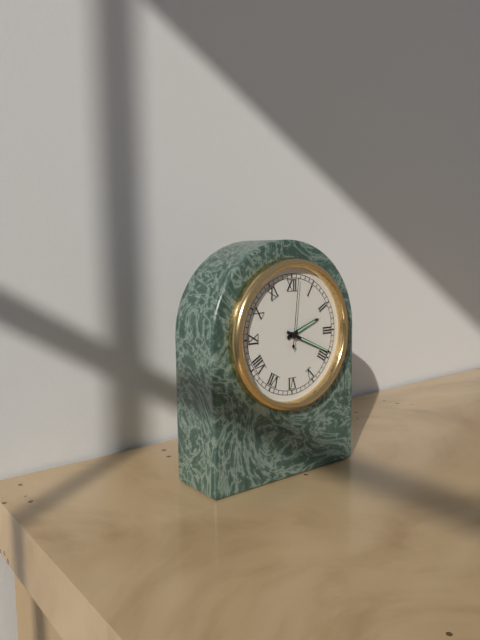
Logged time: 2,19,01
